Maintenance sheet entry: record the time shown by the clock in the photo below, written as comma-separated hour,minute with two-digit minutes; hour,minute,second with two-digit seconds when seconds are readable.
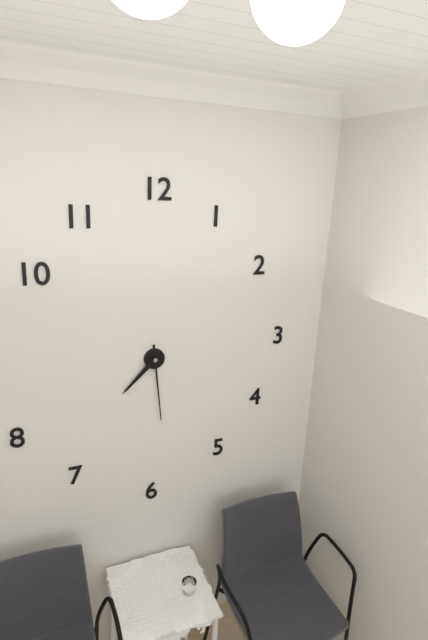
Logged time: 7,29
